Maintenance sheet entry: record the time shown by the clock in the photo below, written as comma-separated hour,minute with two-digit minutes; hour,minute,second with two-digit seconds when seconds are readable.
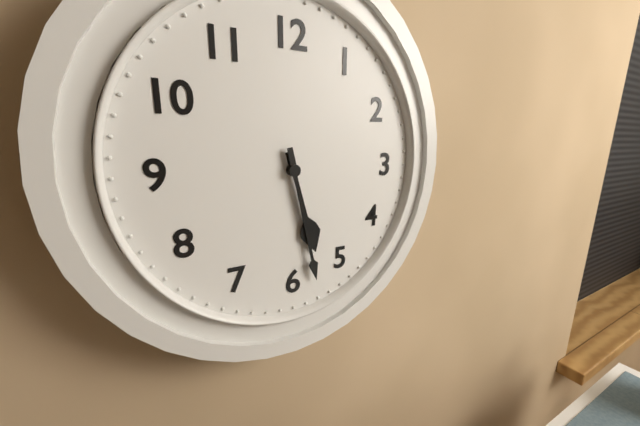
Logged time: 5,28
